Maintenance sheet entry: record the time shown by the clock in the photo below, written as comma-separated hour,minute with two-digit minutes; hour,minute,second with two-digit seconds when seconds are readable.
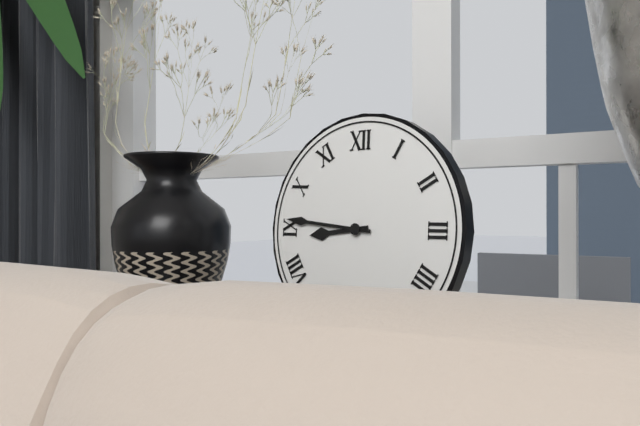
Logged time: 8,46
